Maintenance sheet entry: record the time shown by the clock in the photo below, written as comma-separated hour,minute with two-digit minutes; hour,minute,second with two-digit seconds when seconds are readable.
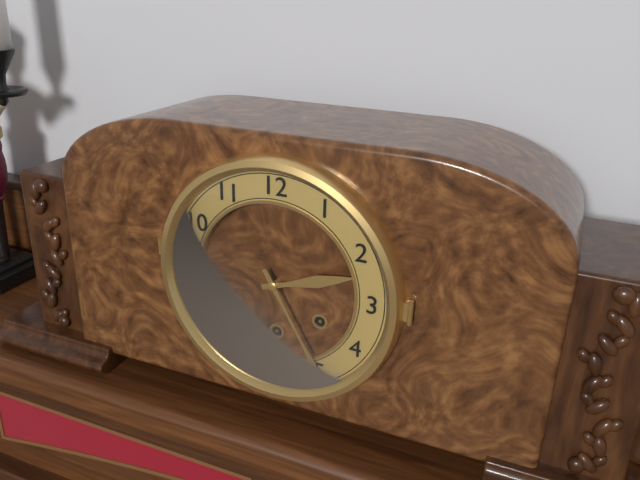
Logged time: 2,25
